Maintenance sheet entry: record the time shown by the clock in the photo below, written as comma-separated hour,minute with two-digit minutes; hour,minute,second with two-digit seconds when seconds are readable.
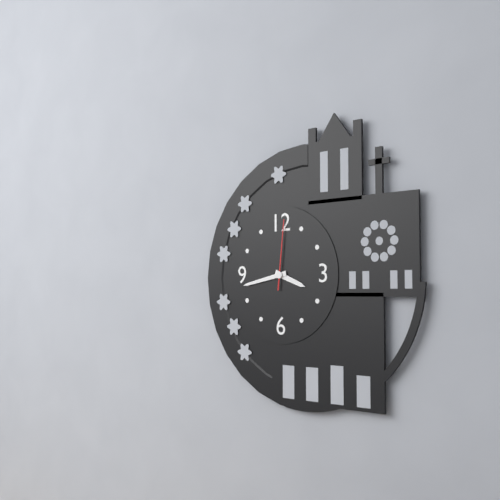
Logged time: 3,43,01
